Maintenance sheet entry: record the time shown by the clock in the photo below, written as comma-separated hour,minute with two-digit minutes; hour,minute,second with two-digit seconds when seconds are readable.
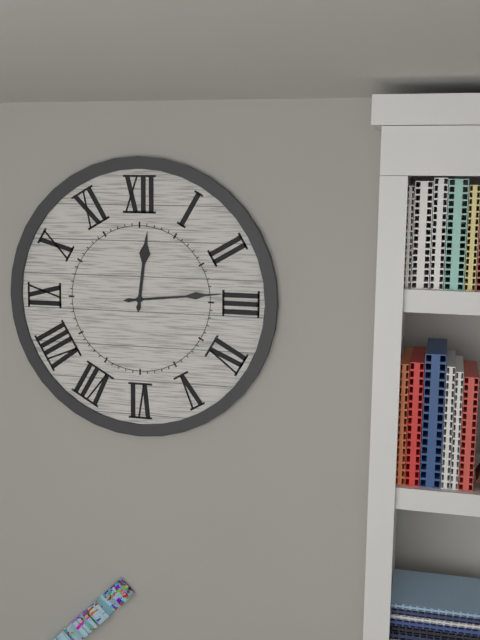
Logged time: 12,14
